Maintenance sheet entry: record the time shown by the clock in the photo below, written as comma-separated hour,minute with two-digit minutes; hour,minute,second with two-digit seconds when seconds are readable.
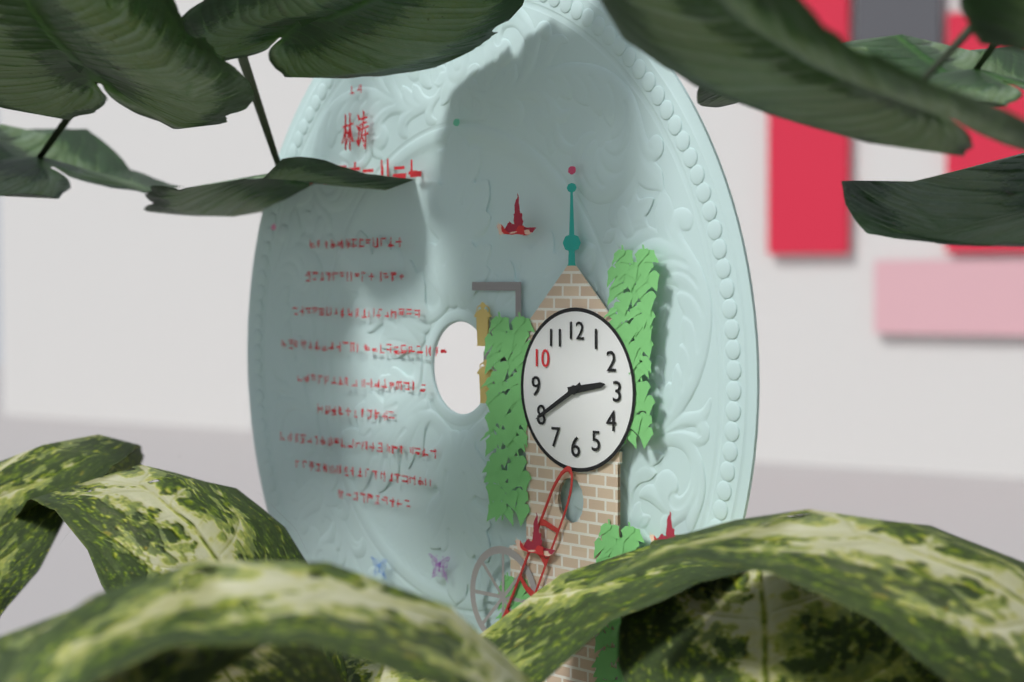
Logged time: 2,40
